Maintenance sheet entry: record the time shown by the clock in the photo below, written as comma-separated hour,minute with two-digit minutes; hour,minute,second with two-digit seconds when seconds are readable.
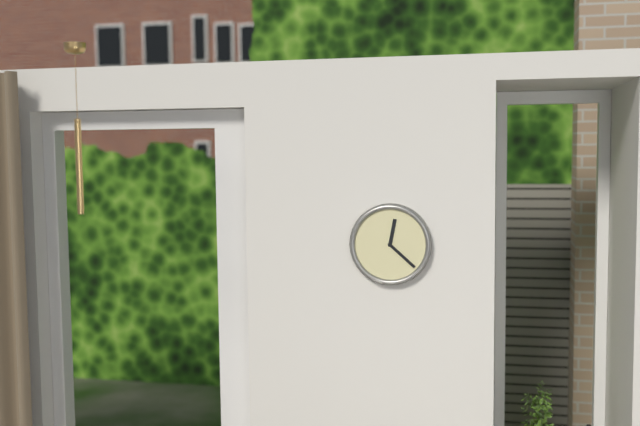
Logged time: 12,22
